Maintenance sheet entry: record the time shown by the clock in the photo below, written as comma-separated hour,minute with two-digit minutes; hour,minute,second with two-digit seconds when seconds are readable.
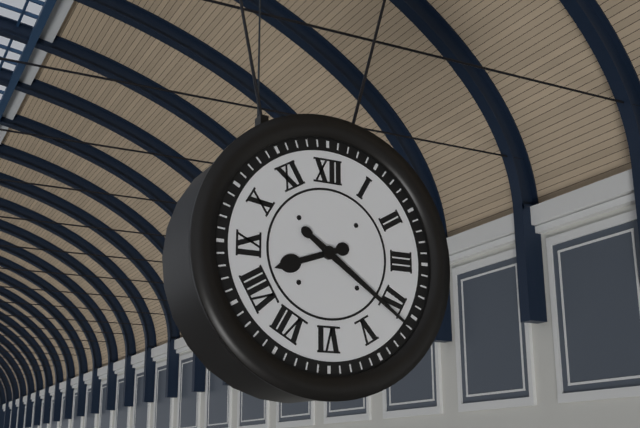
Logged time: 8,21
